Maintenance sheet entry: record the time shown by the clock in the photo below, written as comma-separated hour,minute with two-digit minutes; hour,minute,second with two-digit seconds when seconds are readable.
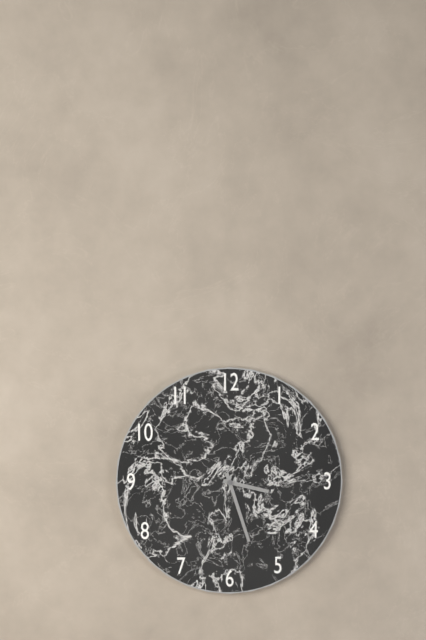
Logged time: 3,27
